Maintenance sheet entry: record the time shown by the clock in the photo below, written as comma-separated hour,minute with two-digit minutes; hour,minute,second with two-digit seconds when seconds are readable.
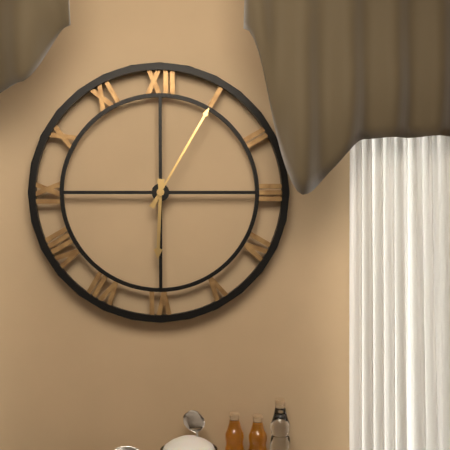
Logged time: 6,05
